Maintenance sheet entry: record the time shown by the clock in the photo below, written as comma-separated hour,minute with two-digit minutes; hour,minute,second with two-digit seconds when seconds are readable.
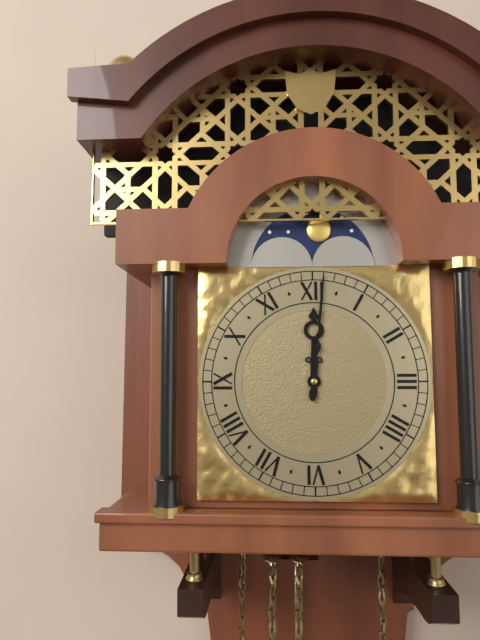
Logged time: 12,01
